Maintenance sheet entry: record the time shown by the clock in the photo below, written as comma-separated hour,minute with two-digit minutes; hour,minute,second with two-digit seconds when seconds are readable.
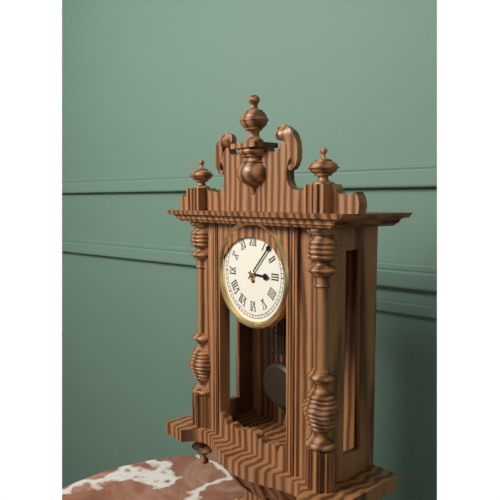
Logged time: 3,07
